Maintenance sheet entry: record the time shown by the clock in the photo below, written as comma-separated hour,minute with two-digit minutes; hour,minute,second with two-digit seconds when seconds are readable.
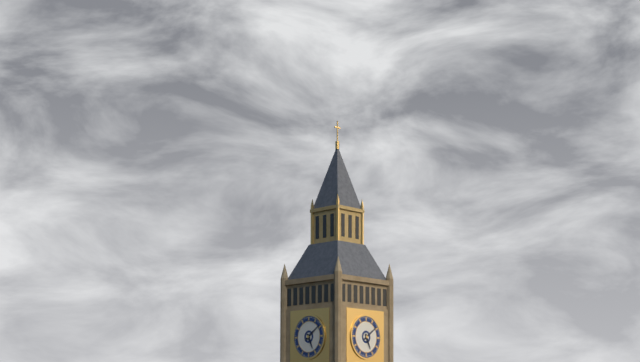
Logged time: 5,09
